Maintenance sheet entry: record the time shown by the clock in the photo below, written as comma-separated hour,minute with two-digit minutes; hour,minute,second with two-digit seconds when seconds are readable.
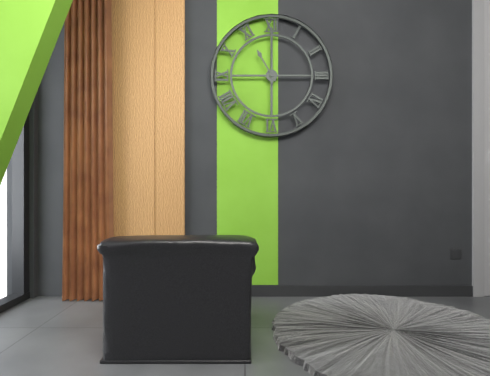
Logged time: 11,00
